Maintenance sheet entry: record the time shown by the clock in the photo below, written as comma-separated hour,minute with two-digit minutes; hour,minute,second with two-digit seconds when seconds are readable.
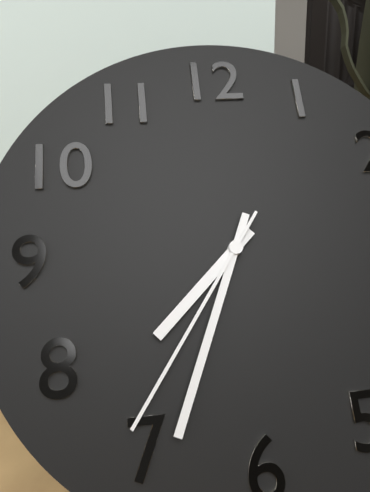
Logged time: 7,34,36
